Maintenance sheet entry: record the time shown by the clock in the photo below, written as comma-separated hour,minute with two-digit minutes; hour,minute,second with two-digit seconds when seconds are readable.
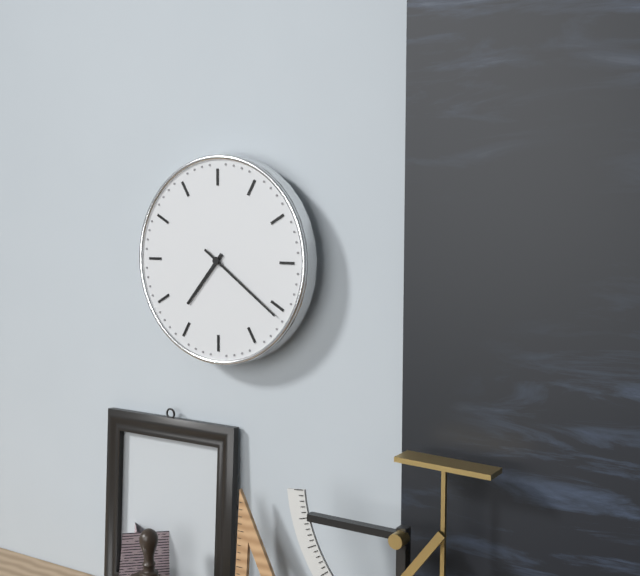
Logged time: 7,21
